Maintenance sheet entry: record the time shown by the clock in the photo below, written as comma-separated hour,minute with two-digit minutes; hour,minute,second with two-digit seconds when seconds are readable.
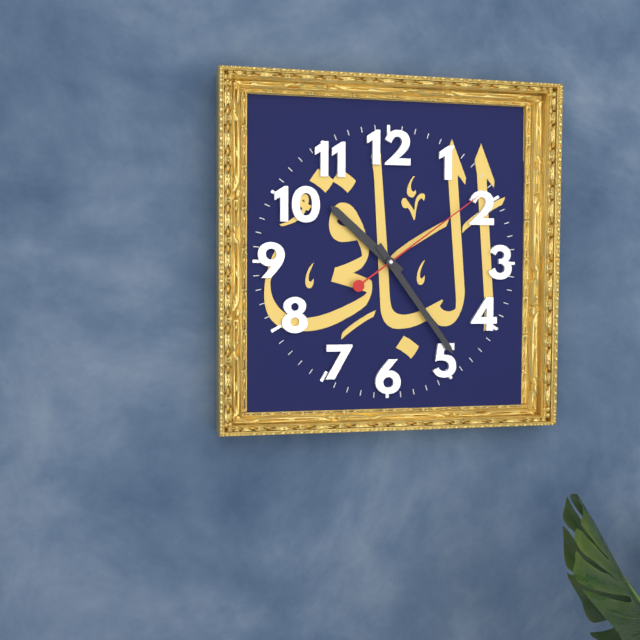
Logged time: 10,24,09
